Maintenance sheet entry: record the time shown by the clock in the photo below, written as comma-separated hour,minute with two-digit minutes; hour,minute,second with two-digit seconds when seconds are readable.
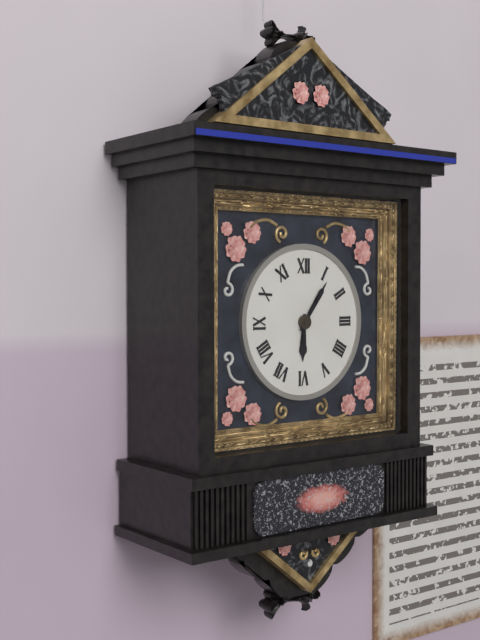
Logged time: 6,06
